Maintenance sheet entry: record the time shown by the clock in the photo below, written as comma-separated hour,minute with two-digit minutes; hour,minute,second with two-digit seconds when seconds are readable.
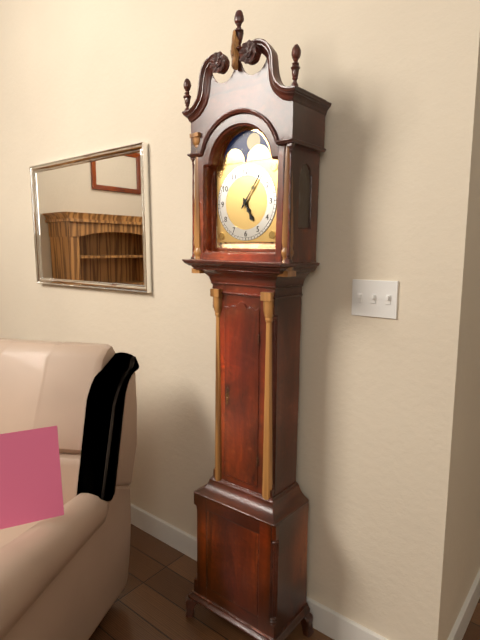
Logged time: 5,06
